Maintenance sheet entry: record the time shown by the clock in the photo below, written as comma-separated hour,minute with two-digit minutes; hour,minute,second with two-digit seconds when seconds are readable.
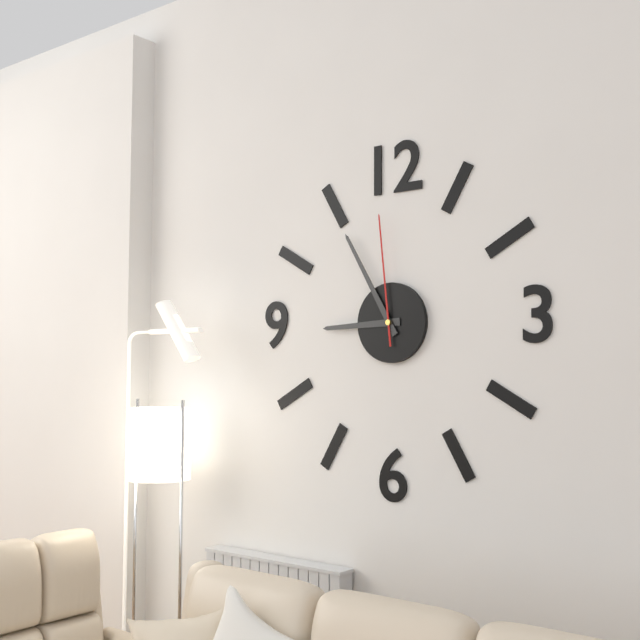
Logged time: 8,55,59
